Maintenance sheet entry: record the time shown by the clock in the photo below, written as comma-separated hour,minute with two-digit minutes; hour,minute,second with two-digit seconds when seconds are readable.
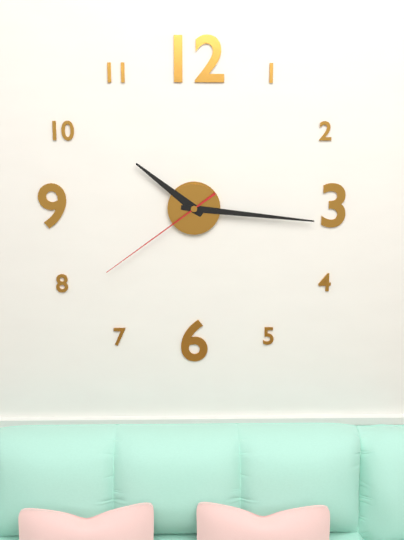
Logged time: 10,16,39
